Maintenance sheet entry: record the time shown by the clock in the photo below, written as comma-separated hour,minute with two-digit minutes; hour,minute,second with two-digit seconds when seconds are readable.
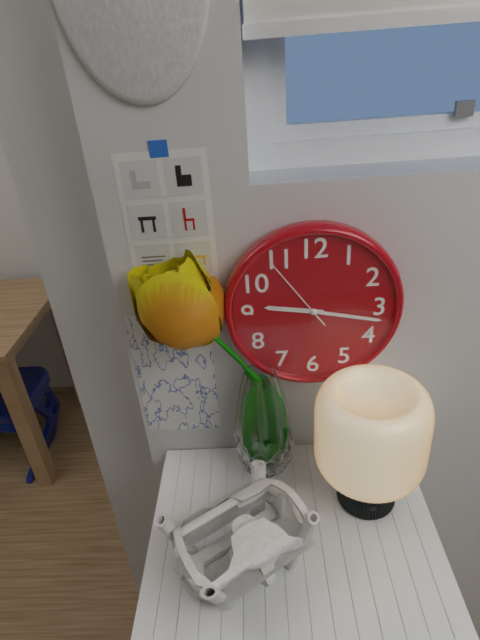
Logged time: 9,17,54
